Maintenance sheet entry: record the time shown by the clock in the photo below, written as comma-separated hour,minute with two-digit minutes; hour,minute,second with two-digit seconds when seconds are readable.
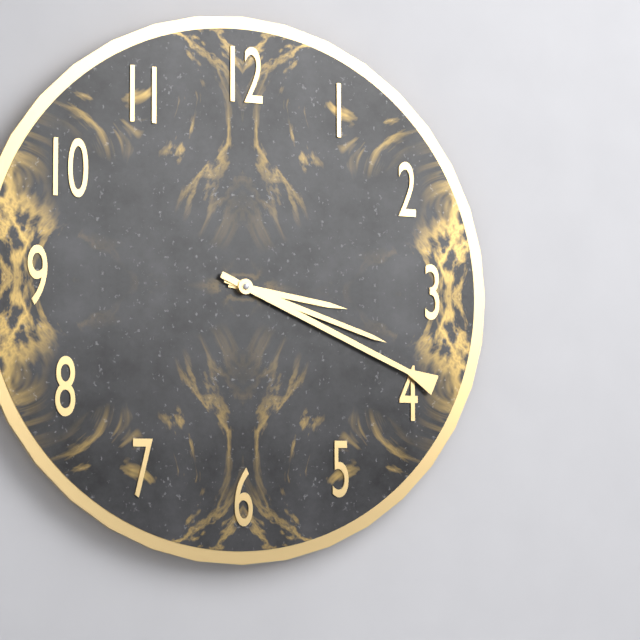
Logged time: 3,18,19
